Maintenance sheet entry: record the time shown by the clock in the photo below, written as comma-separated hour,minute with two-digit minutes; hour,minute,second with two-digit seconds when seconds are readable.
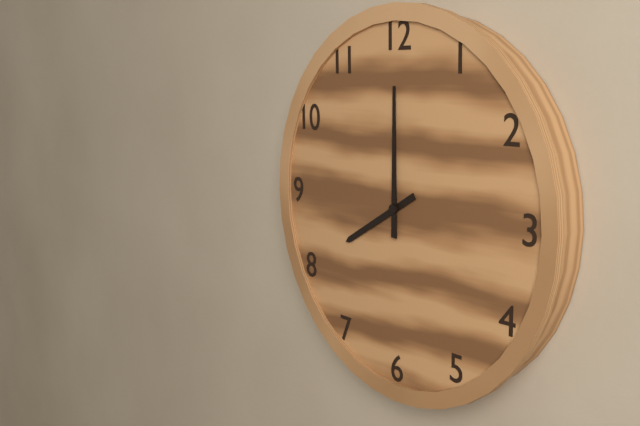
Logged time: 8,00
